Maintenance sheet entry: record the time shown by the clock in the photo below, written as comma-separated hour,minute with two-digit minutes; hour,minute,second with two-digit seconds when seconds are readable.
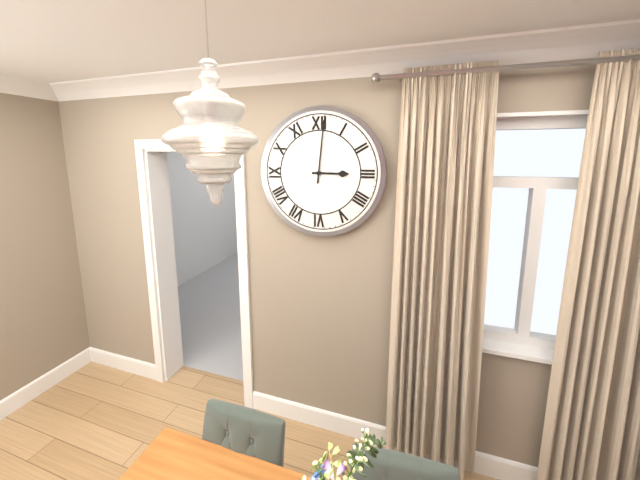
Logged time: 3,01
